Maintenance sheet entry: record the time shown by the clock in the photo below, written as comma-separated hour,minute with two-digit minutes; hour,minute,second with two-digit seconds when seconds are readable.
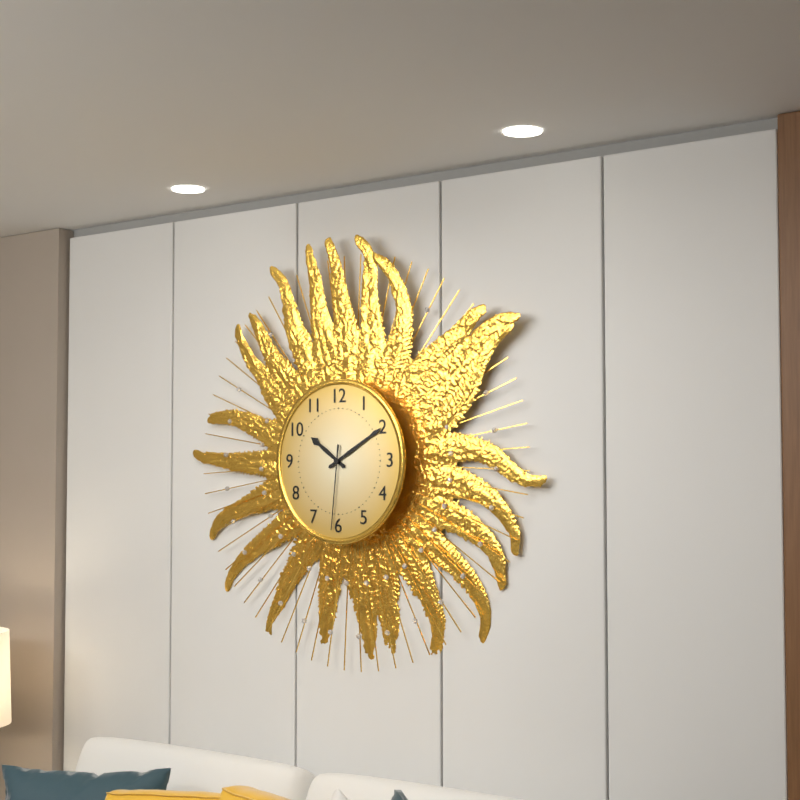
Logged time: 10,10,31
